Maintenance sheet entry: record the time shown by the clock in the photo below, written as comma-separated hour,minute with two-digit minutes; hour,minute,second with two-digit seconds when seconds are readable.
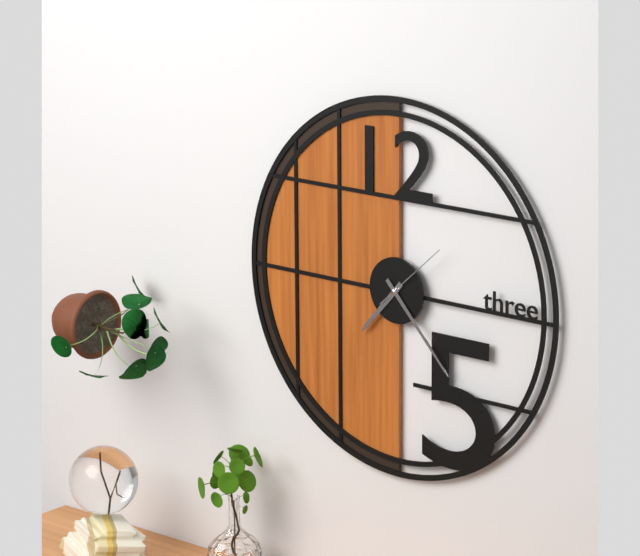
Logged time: 7,23,08
